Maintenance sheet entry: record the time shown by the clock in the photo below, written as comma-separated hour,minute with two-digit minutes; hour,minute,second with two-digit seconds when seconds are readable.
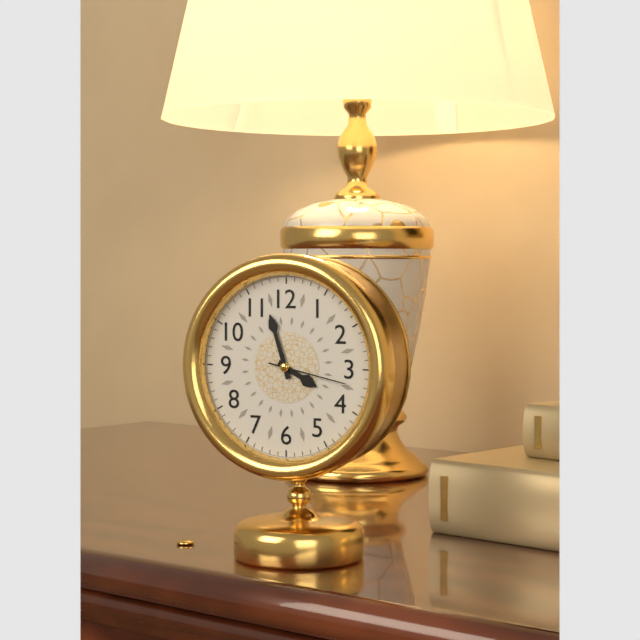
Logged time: 3,57,17
